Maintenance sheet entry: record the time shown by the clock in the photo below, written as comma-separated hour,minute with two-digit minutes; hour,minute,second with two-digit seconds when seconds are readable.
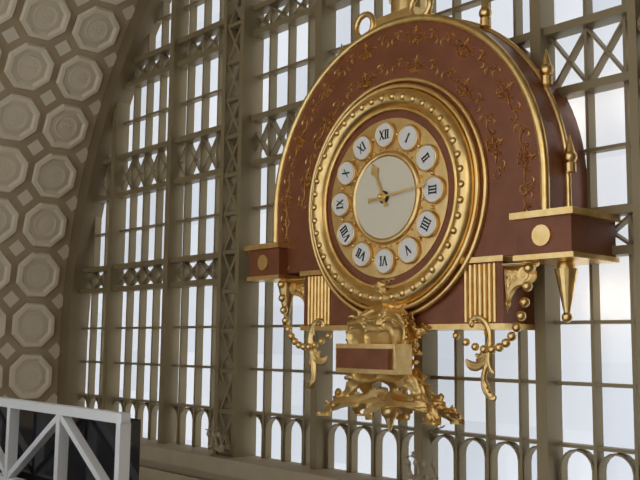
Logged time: 11,14
